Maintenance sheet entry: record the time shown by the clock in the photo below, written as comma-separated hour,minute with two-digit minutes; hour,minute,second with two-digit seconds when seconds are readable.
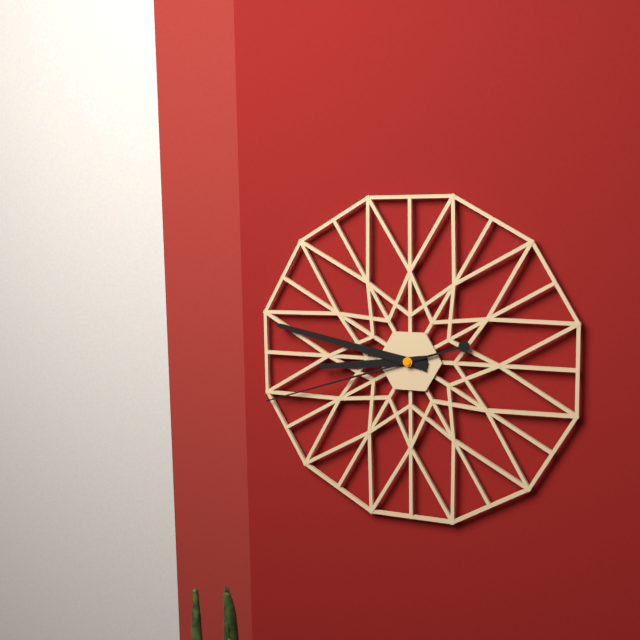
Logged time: 8,47,42
